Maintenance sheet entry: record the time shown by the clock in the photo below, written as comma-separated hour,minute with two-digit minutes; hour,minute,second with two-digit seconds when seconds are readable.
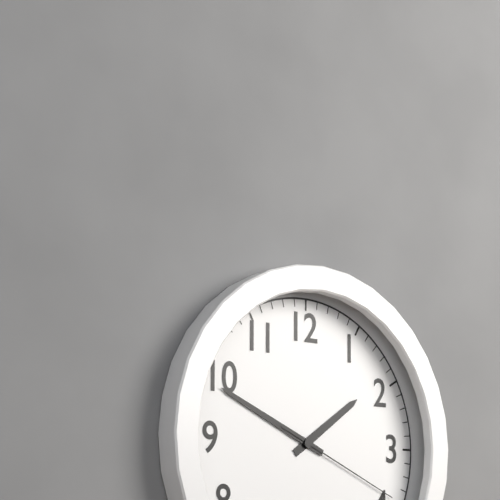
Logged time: 1,49,19
